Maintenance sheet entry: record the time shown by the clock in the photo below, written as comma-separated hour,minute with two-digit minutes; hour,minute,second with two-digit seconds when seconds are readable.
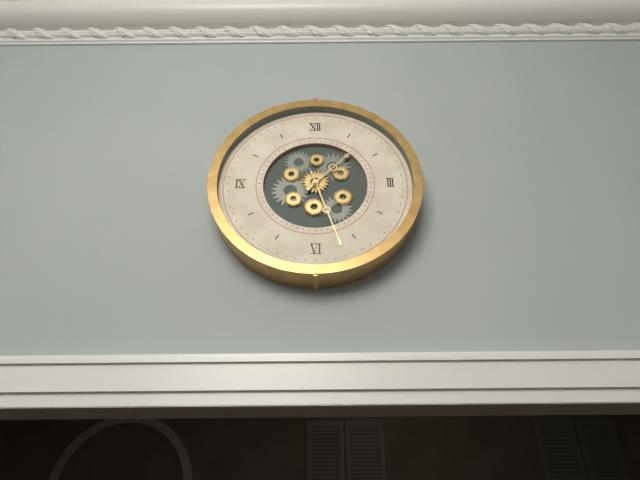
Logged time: 1,27
